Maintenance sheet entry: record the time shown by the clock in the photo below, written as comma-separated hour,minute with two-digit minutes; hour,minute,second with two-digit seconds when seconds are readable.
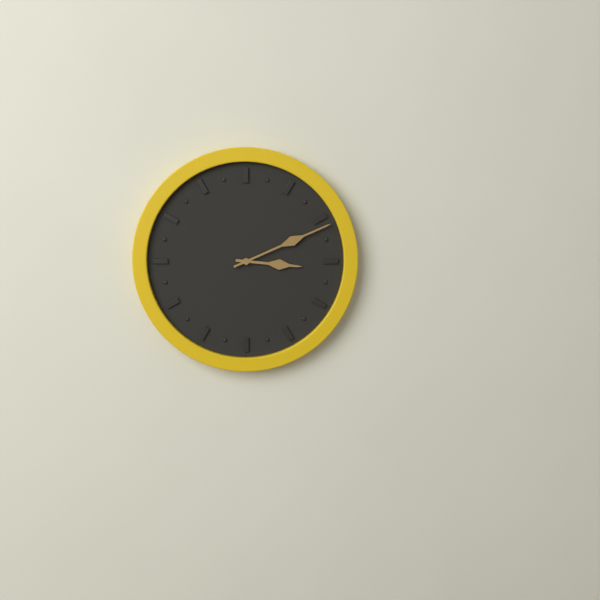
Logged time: 3,11
